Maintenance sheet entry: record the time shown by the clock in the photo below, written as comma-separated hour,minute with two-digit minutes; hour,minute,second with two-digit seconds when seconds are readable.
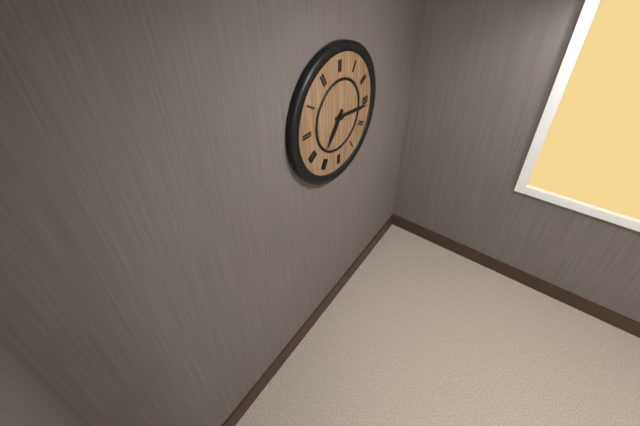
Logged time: 7,16
